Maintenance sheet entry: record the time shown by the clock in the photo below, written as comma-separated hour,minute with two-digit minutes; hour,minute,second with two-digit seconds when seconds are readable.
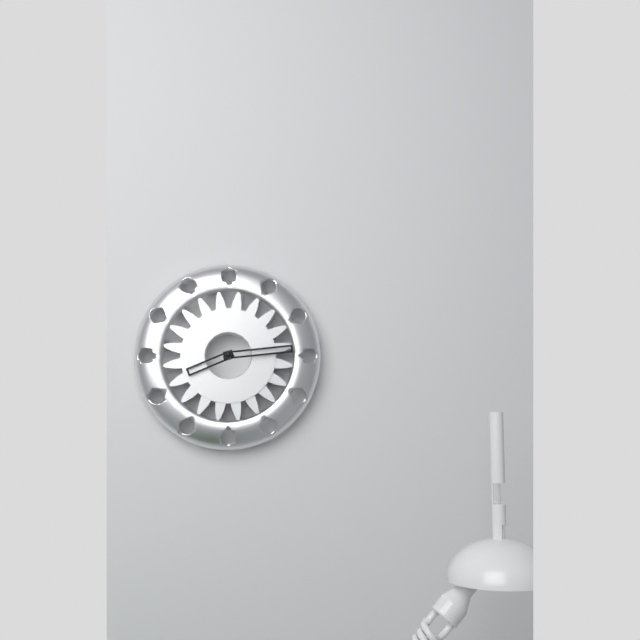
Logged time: 8,14
